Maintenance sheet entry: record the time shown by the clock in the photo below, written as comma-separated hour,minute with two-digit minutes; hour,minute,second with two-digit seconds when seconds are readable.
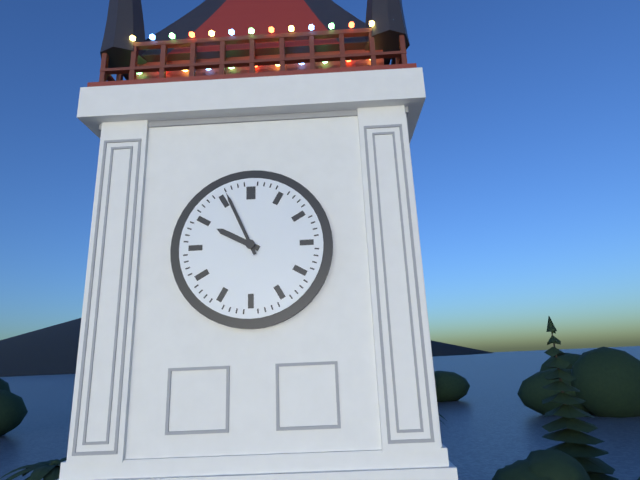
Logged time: 9,56
